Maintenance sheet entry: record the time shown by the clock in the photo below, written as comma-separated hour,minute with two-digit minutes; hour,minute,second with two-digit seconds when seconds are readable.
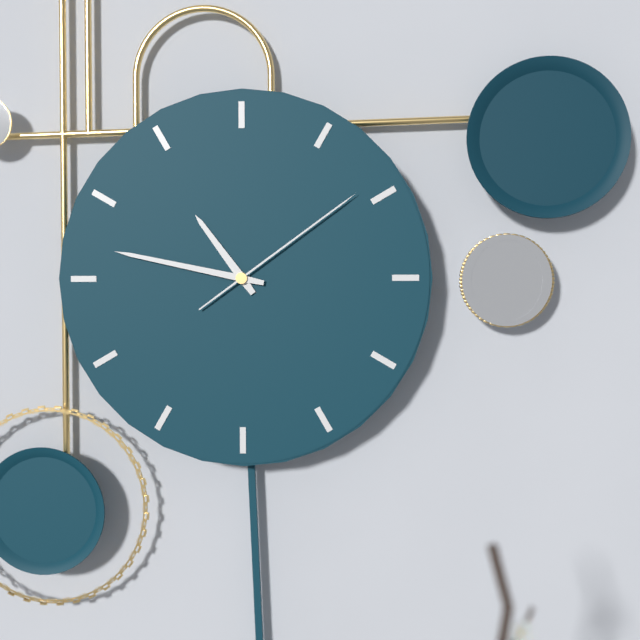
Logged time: 10,47,09
